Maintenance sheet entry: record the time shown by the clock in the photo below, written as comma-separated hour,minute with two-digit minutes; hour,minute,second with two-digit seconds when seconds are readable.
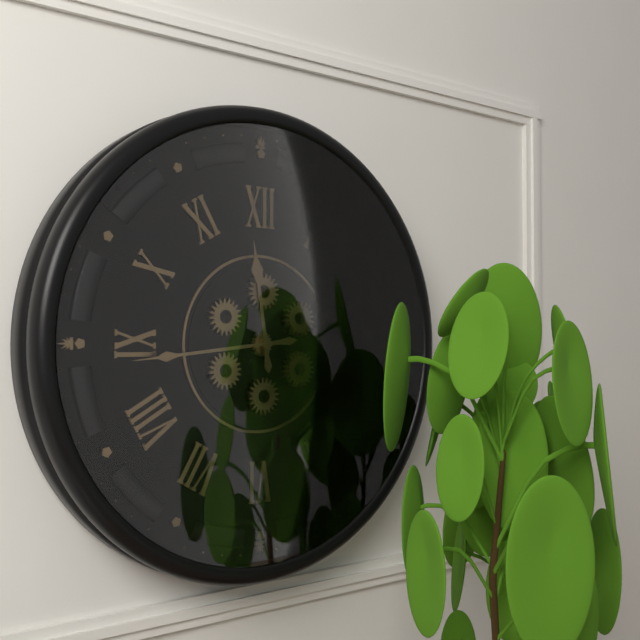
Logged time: 11,44
